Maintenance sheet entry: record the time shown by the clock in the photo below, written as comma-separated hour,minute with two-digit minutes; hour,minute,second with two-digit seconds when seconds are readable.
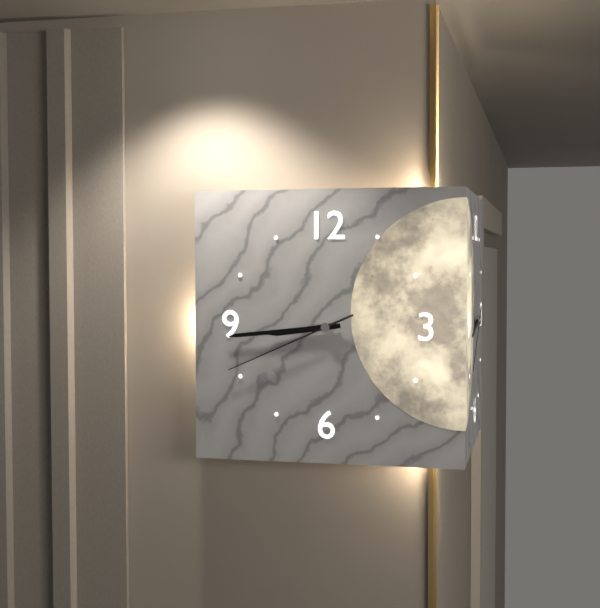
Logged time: 8,44,41
